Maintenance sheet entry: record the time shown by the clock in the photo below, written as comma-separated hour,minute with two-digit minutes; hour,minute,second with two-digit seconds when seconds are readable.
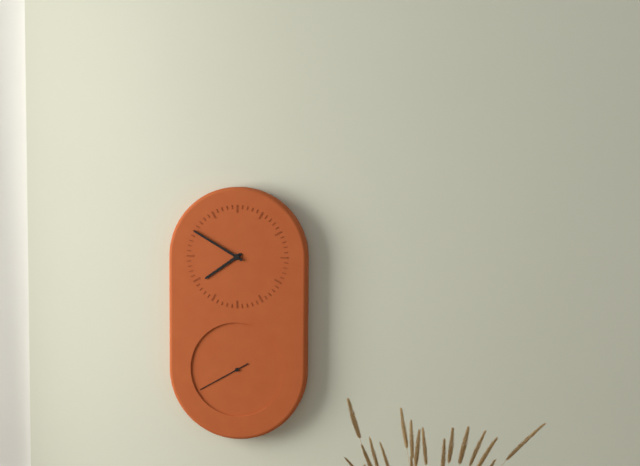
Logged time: 7,50,40
